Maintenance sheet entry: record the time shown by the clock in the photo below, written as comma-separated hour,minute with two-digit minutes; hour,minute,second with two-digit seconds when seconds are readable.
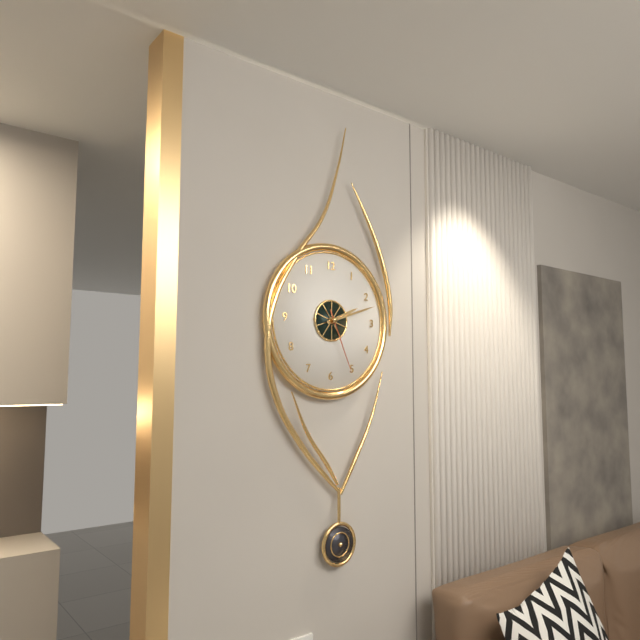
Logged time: 2,12,26
